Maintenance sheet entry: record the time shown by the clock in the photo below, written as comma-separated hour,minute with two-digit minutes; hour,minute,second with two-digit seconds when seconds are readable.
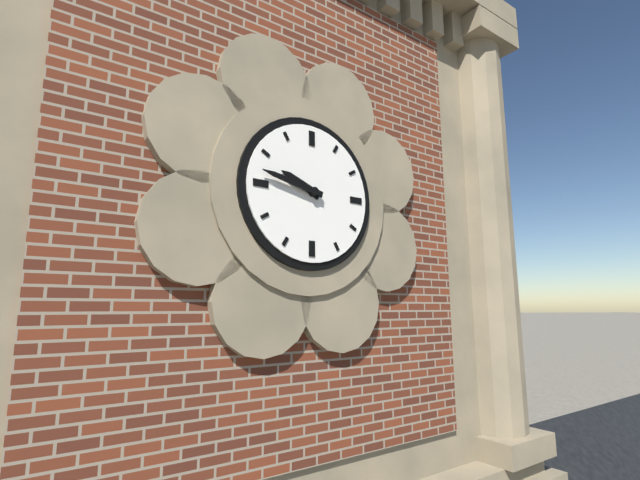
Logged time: 9,47
